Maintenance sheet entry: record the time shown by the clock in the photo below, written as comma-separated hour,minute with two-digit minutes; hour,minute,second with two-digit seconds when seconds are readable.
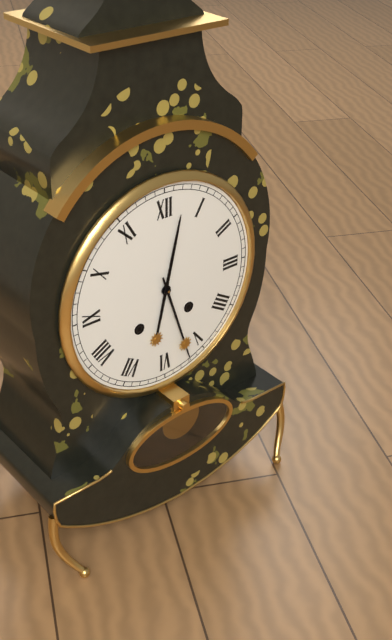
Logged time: 12,27
